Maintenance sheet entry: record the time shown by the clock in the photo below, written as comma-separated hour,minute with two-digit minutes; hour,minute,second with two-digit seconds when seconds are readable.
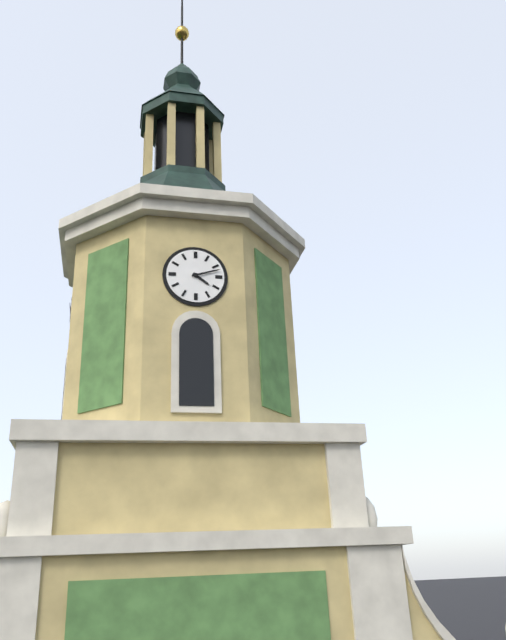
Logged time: 4,12
